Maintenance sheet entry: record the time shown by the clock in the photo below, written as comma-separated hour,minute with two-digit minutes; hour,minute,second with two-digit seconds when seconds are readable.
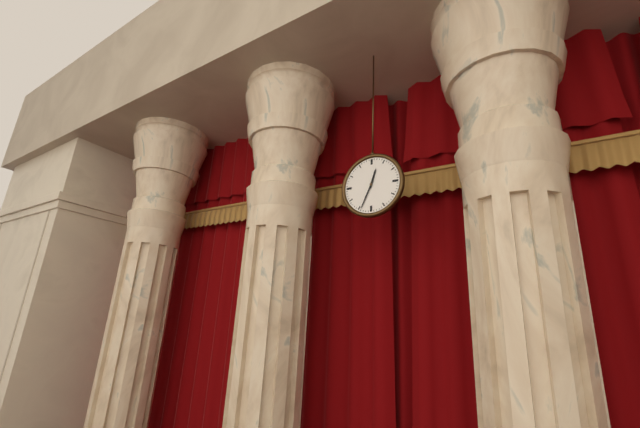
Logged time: 12,34
